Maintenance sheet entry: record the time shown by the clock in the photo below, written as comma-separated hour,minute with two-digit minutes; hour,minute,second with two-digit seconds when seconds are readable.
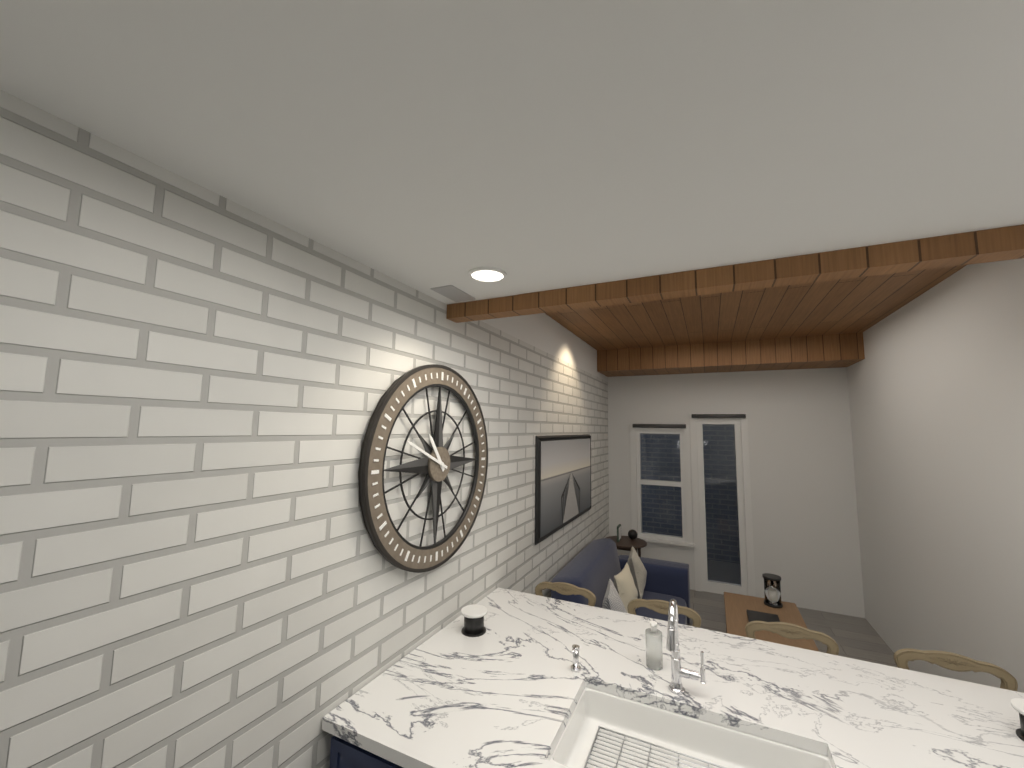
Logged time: 10,49
